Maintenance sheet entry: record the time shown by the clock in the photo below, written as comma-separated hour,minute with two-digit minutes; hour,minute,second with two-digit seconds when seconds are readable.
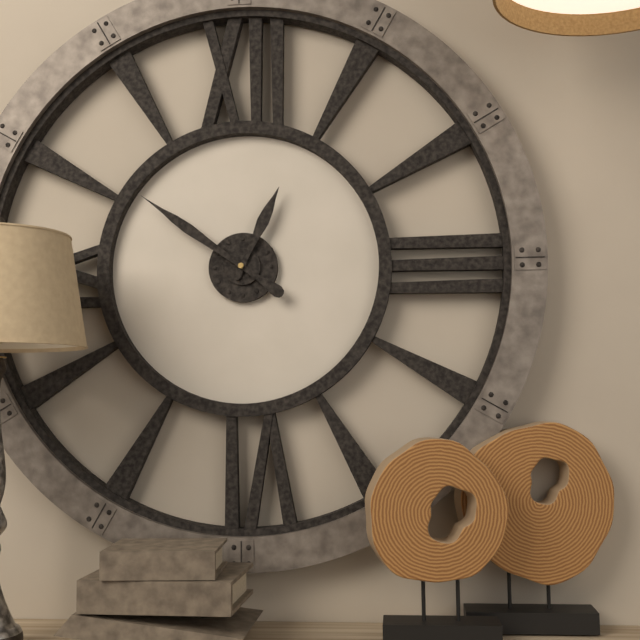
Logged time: 12,51
